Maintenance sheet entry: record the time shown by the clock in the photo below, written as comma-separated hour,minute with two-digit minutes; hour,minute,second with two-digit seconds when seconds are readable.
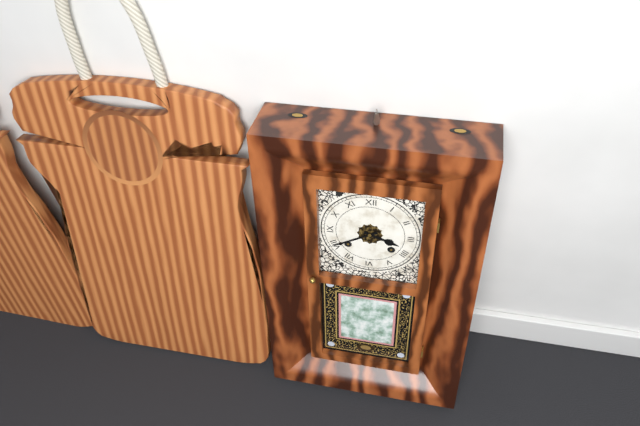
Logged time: 3,40
